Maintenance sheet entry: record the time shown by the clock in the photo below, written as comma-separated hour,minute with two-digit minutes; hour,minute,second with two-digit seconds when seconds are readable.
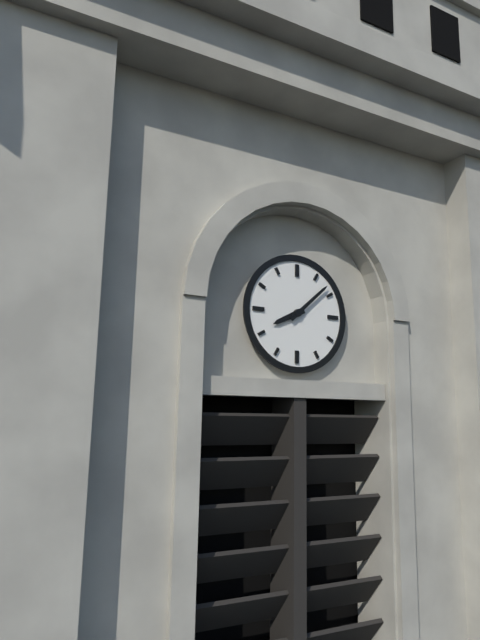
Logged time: 8,08
